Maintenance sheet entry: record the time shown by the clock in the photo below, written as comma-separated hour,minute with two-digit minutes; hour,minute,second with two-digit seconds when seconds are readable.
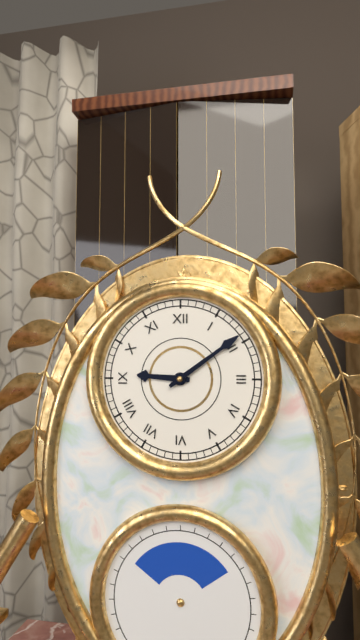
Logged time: 9,09
